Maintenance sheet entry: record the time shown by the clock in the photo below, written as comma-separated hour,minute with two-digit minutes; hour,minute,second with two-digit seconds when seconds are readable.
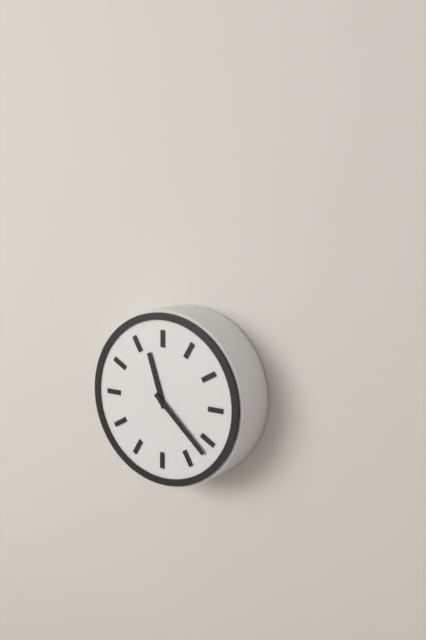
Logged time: 11,22
